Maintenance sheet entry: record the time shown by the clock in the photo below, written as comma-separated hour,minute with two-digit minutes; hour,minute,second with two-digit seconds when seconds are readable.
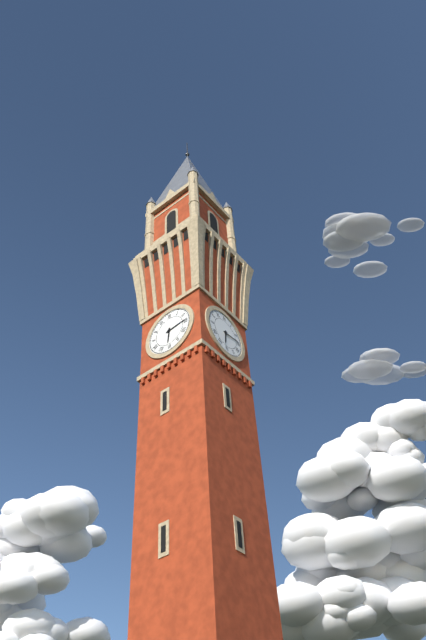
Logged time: 6,14
